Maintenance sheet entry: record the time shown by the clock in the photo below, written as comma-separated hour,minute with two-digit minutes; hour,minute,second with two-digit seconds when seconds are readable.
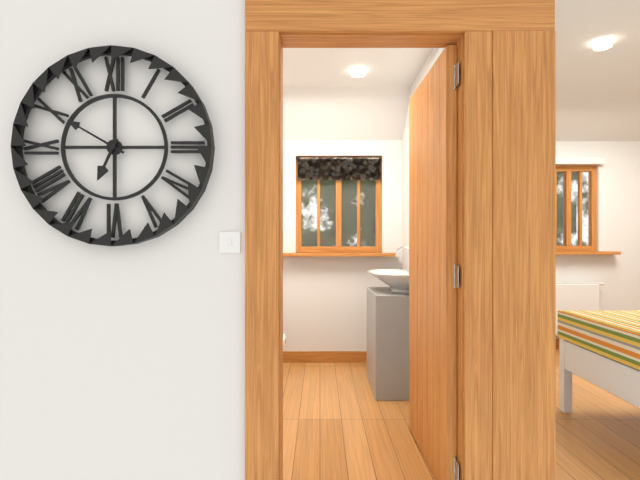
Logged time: 6,50
